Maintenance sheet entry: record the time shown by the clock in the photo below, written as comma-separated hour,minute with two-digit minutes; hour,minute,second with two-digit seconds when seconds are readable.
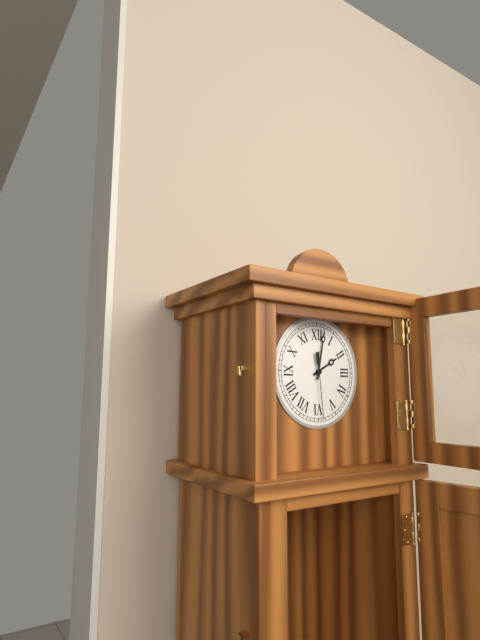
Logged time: 2,02,29
